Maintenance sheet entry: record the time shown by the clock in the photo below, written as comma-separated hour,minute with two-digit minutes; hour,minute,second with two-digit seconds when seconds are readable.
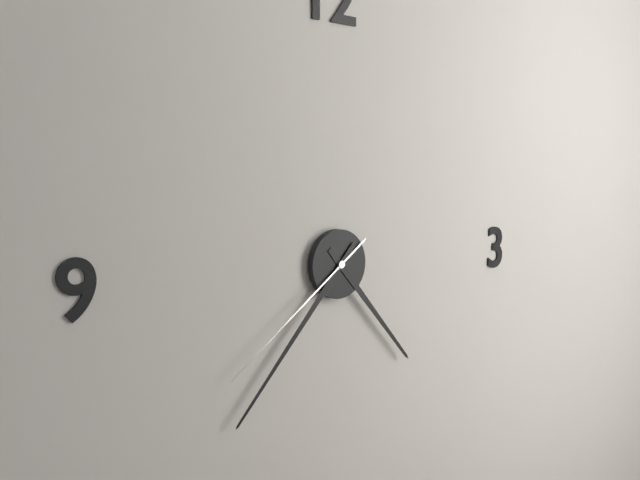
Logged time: 4,37,39
